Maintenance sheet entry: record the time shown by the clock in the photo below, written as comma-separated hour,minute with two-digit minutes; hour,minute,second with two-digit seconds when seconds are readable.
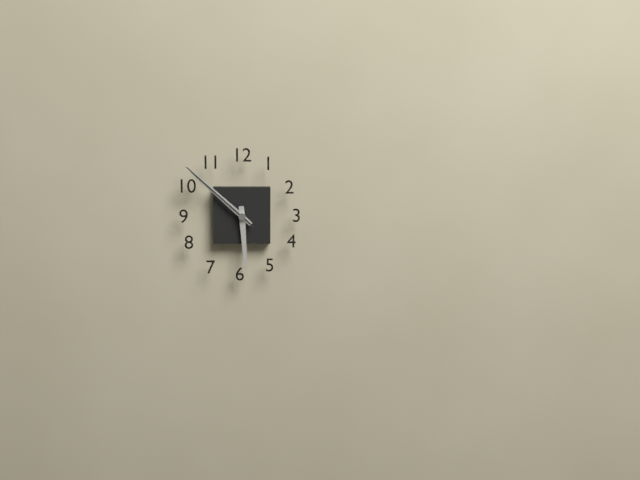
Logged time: 5,52,52
